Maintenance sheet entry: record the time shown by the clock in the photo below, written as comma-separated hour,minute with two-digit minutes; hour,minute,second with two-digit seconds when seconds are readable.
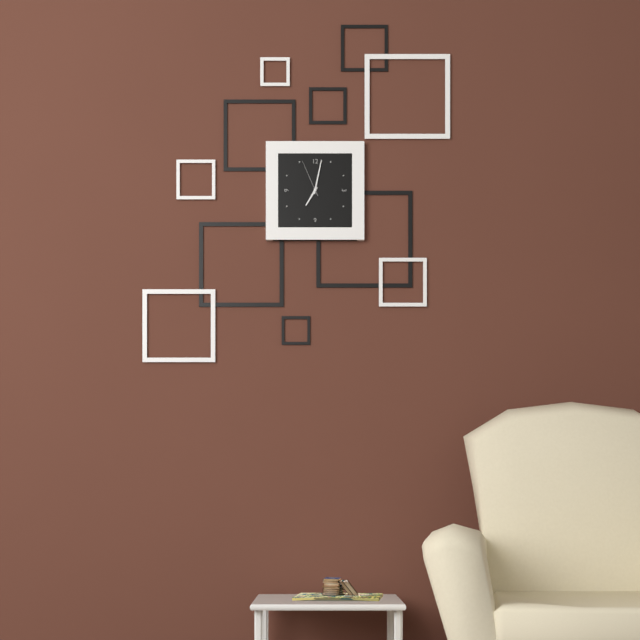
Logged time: 7,02
